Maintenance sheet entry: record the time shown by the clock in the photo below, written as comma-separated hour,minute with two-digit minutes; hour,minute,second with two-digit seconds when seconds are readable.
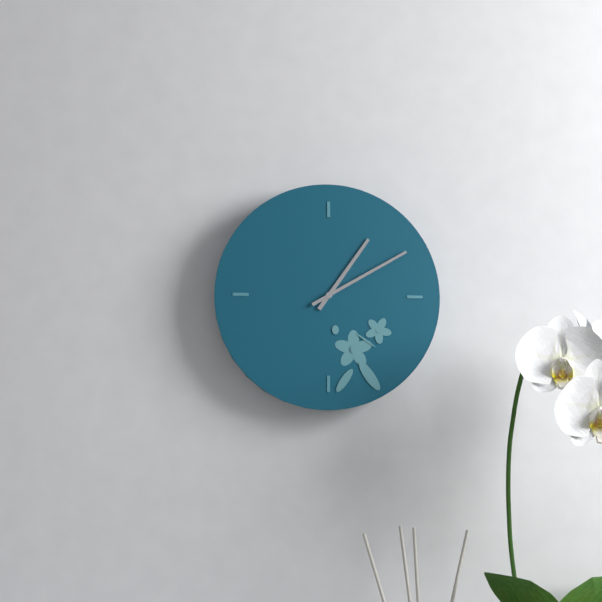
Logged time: 1,10
